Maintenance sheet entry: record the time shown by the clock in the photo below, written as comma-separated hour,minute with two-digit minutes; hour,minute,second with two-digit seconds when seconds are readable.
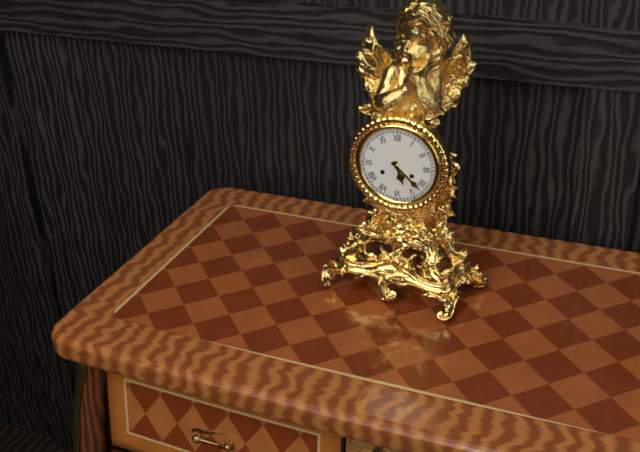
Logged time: 5,22
